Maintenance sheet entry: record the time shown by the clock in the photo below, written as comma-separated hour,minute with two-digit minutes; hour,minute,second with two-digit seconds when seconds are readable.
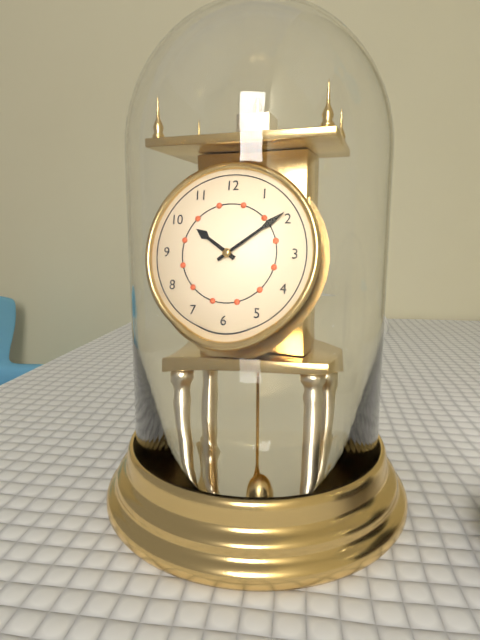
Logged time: 10,09
